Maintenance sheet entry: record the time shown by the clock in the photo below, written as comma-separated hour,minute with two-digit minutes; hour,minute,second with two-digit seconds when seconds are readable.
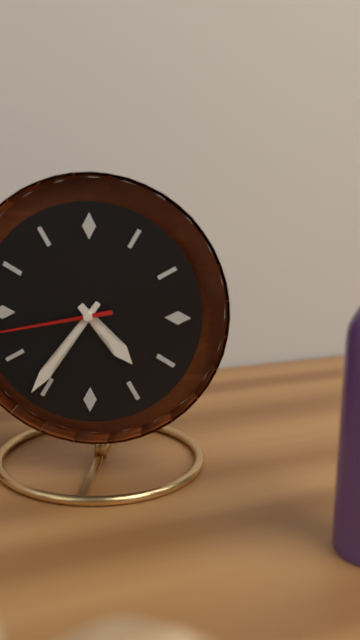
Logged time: 4,36
